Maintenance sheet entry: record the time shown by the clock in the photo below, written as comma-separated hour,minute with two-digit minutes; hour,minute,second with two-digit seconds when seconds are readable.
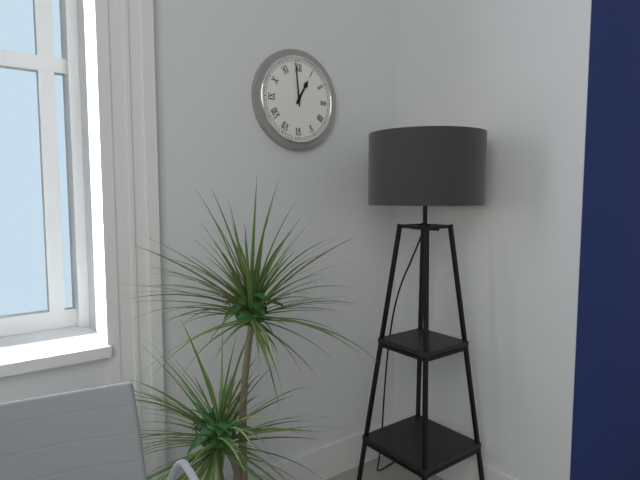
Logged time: 12,59
